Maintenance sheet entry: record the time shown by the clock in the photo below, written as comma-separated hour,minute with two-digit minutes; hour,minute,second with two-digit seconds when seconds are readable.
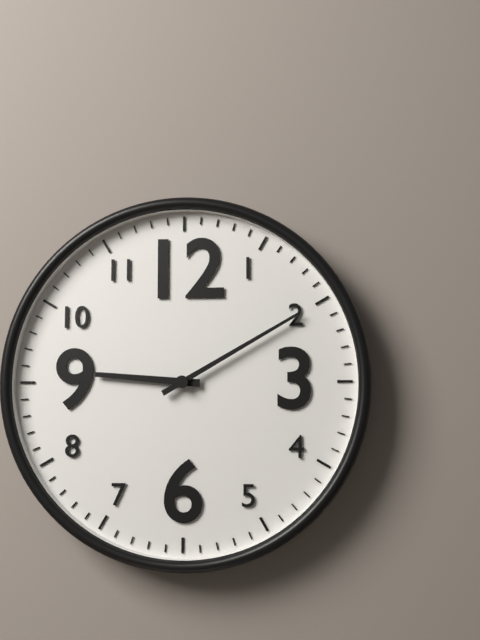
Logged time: 9,10
